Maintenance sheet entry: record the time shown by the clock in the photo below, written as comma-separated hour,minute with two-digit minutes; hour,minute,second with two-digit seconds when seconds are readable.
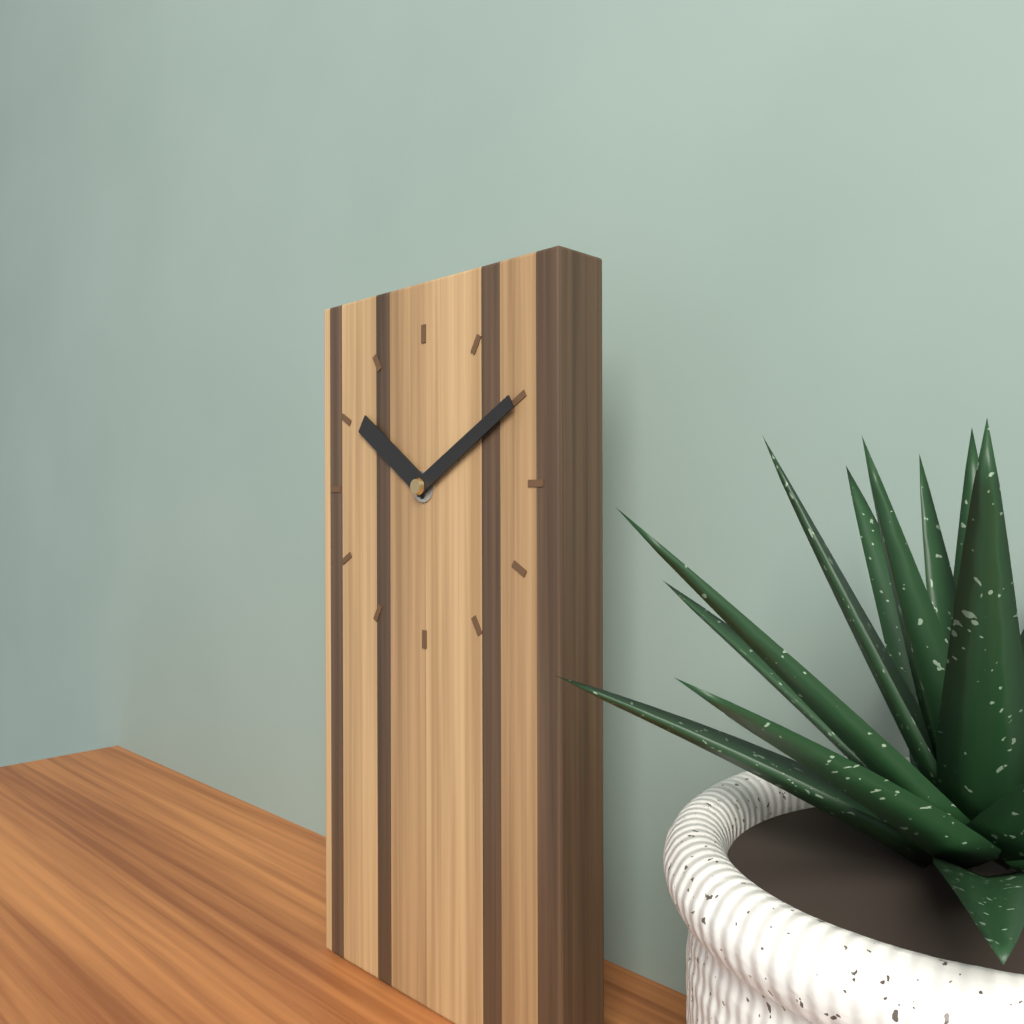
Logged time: 10,10
